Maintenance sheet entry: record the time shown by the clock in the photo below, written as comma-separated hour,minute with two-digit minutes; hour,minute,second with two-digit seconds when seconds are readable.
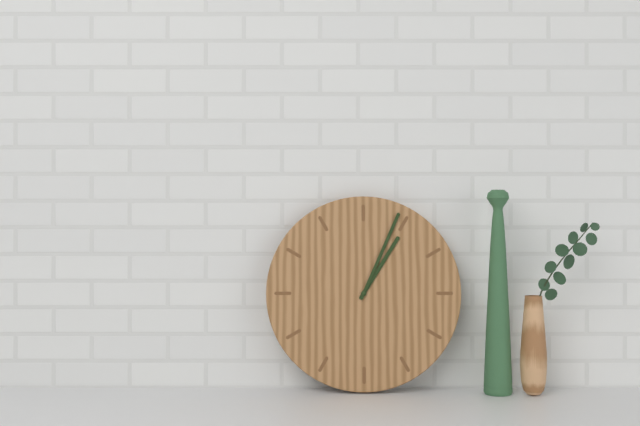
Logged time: 1,04
